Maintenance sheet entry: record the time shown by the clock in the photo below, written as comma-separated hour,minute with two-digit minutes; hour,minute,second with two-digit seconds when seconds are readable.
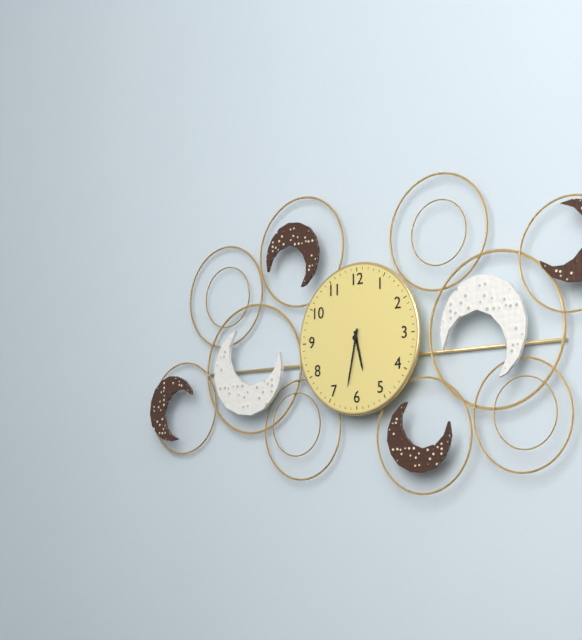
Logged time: 5,32
